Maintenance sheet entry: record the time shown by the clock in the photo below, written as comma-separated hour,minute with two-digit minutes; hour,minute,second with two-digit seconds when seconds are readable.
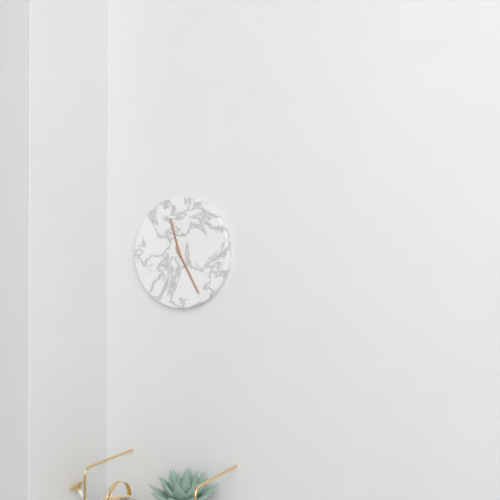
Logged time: 11,25
